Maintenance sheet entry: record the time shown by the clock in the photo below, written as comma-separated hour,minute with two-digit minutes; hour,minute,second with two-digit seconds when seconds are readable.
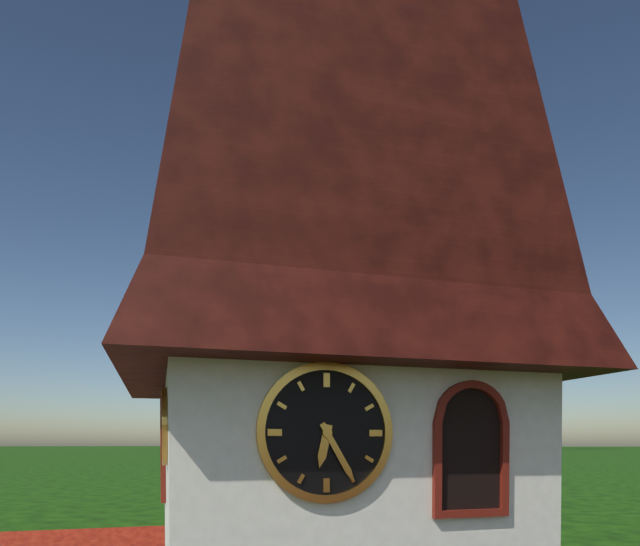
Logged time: 6,25
